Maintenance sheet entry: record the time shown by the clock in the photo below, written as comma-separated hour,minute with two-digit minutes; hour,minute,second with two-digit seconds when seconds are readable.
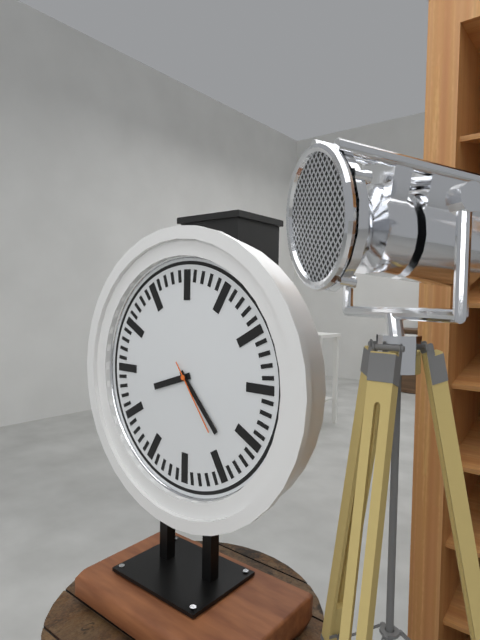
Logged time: 8,23,24
